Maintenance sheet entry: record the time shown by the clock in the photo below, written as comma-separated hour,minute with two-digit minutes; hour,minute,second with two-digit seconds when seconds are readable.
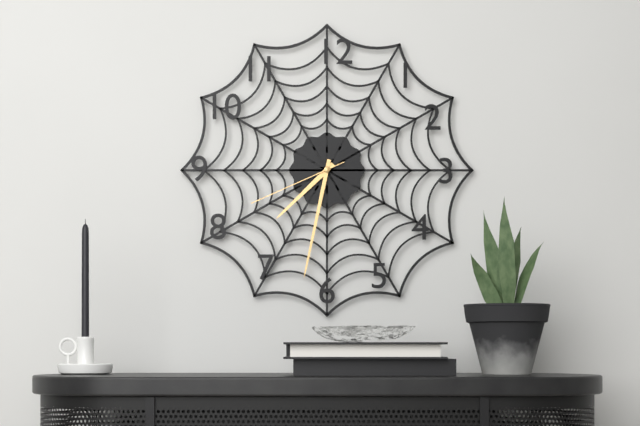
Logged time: 7,32,41
